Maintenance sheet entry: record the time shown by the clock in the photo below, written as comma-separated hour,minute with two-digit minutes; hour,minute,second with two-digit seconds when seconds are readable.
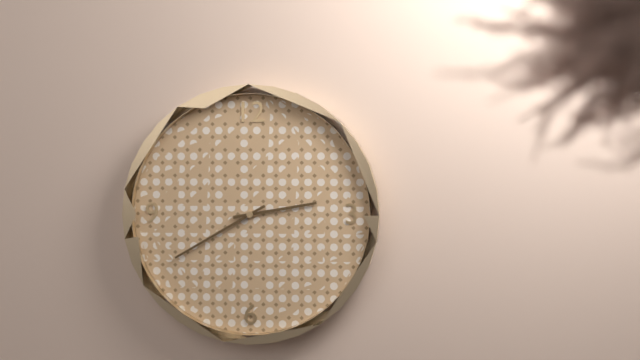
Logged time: 2,40
